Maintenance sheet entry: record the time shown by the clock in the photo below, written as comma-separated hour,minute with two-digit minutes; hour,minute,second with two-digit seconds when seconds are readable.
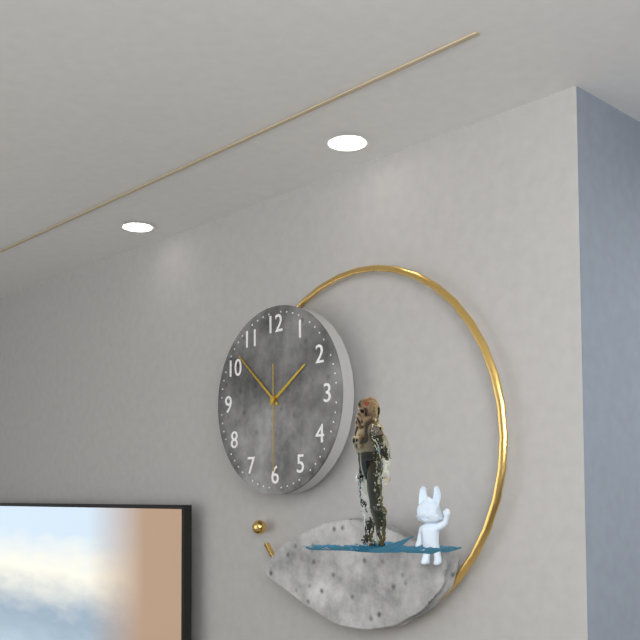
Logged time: 1,52,30
